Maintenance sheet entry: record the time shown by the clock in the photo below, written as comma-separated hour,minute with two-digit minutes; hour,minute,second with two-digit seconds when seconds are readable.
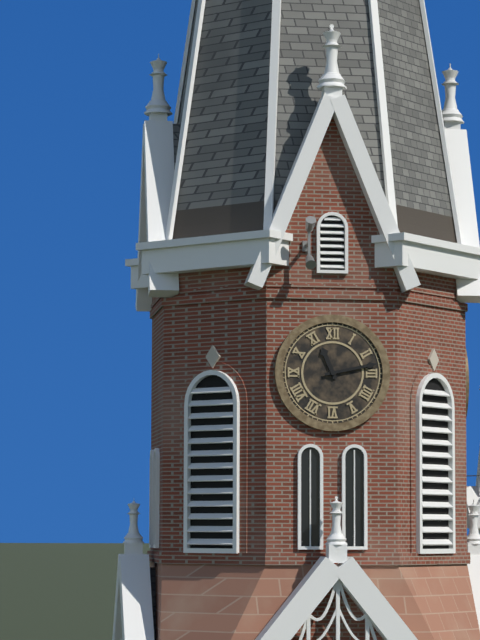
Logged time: 11,13
